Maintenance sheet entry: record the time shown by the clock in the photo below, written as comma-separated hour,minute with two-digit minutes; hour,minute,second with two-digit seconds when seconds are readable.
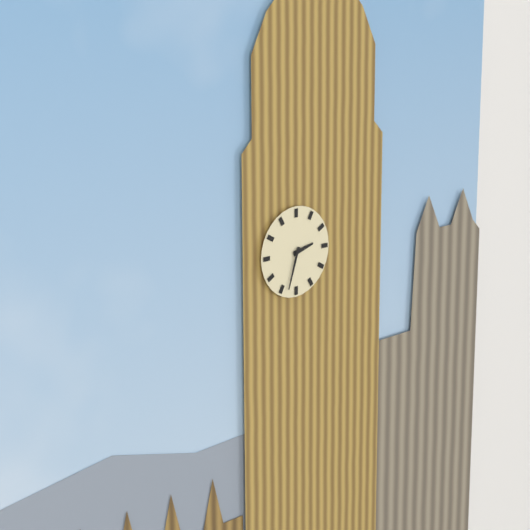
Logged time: 2,33
